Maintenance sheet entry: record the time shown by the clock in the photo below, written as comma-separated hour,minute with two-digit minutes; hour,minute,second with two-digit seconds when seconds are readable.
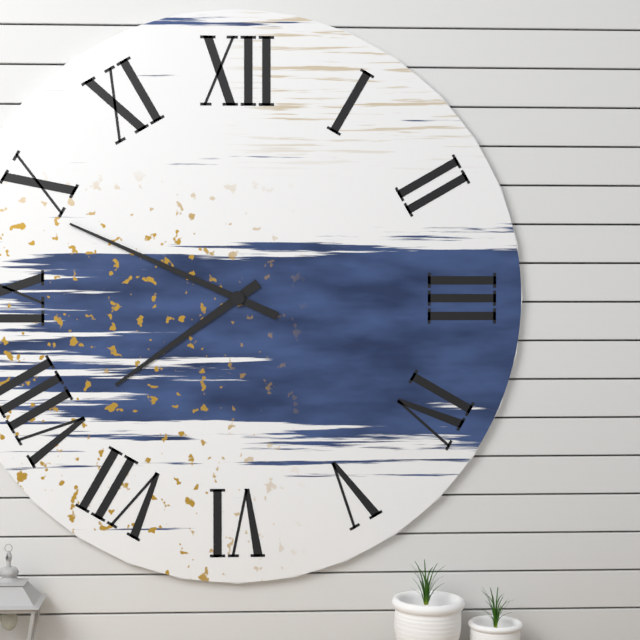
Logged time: 7,49
